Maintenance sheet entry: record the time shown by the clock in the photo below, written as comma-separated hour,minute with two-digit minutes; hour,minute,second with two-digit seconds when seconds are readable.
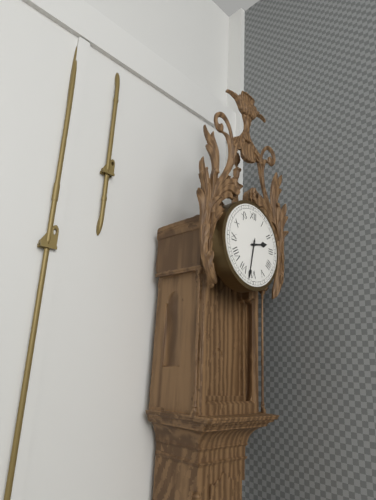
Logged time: 2,32
